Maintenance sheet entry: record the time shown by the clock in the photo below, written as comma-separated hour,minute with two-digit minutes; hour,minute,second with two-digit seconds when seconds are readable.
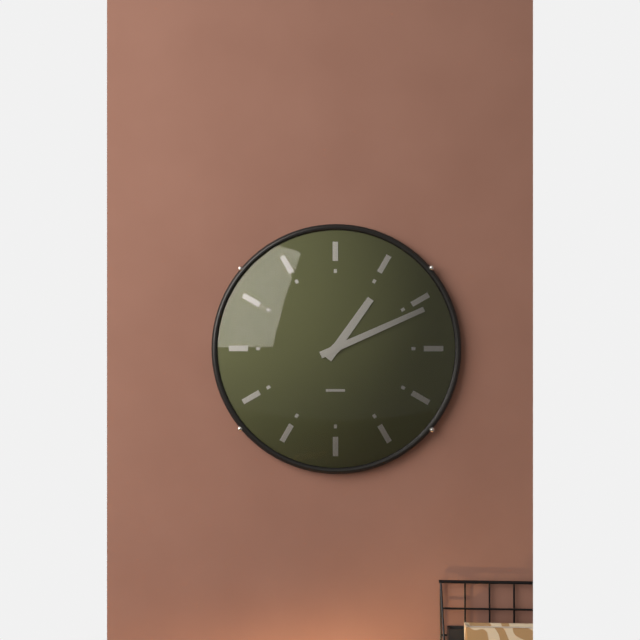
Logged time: 1,11
